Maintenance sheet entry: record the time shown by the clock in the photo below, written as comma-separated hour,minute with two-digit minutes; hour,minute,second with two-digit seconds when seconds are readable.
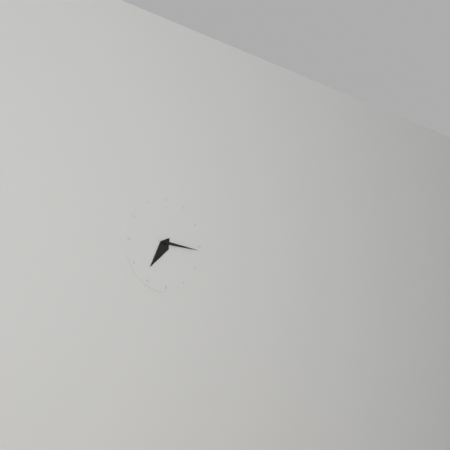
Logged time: 7,16
